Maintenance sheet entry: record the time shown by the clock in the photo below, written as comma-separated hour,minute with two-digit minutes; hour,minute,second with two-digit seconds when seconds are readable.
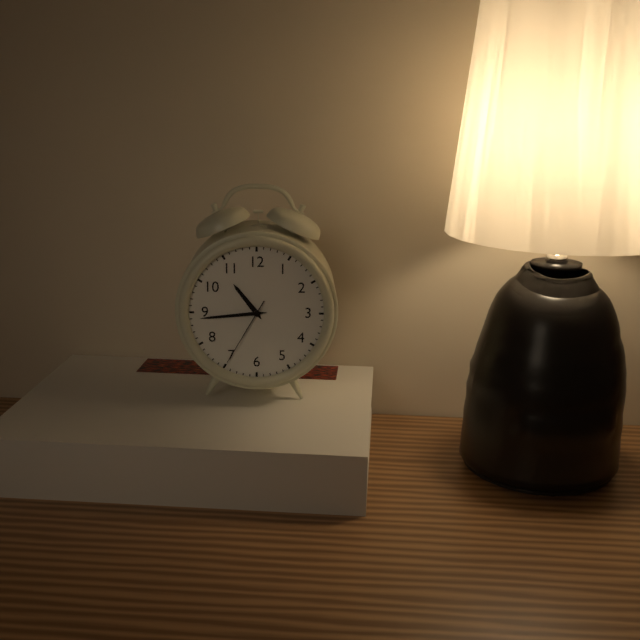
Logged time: 10,44,35
